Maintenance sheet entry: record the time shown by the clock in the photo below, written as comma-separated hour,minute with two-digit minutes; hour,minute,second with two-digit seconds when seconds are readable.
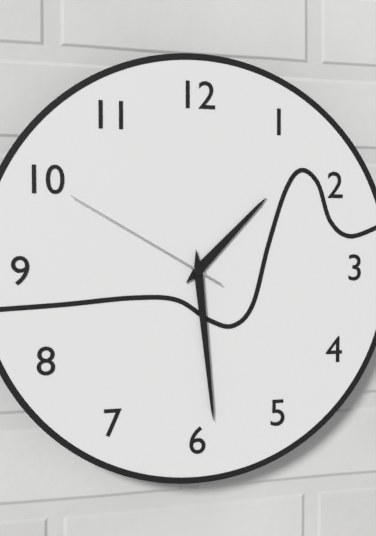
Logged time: 1,29,50
